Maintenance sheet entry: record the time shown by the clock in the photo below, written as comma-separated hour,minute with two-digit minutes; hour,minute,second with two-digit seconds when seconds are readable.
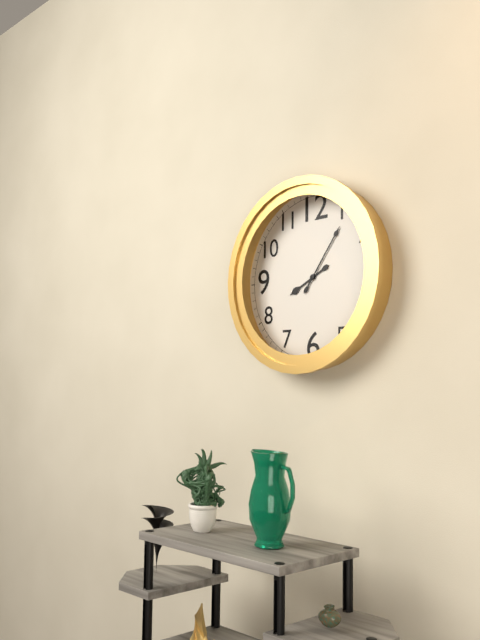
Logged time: 8,06
